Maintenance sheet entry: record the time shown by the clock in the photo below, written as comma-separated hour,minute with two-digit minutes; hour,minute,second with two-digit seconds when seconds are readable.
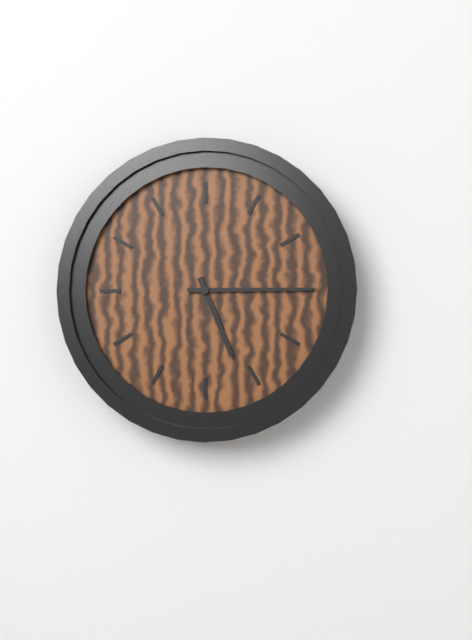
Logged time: 5,15
